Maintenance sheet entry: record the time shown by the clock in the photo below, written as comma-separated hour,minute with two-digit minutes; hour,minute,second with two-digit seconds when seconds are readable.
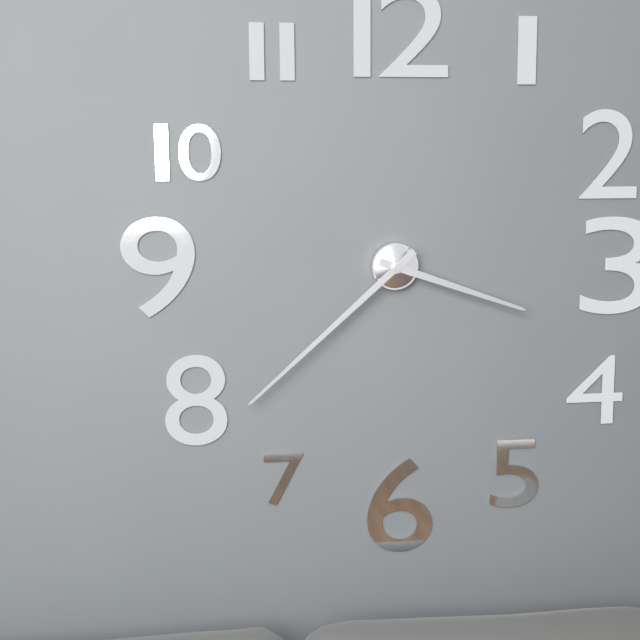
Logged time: 3,38
